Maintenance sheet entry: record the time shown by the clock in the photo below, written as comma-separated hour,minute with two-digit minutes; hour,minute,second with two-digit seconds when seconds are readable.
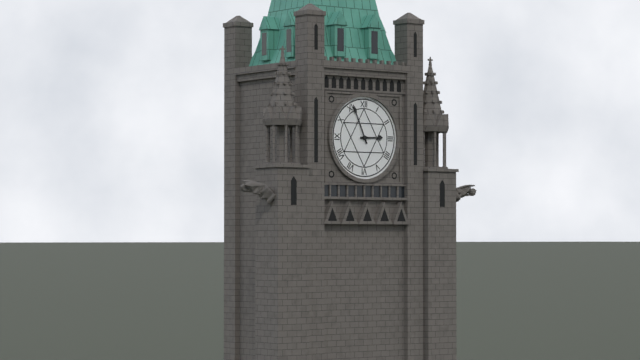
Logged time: 2,56
